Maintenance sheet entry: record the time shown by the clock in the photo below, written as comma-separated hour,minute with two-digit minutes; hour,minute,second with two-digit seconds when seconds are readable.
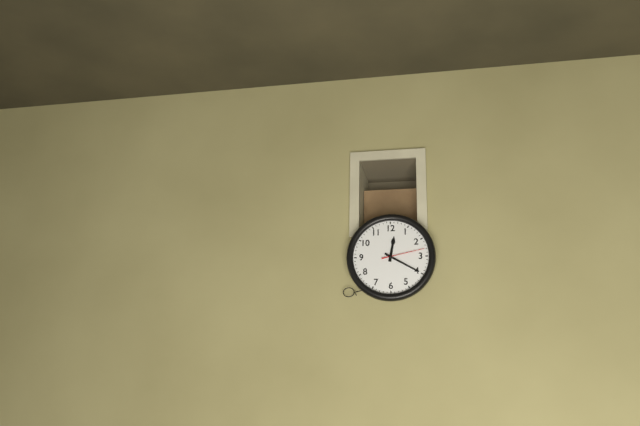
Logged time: 12,20
